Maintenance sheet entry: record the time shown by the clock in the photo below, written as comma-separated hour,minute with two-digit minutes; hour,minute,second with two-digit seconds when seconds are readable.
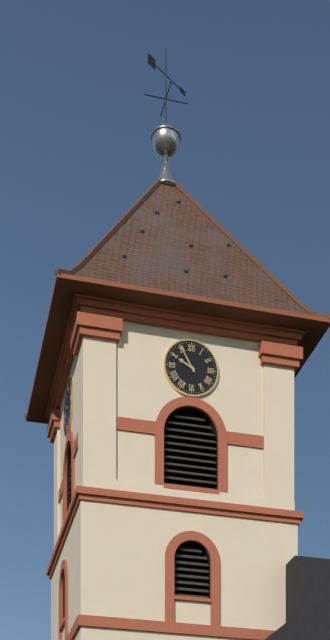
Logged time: 9,55
